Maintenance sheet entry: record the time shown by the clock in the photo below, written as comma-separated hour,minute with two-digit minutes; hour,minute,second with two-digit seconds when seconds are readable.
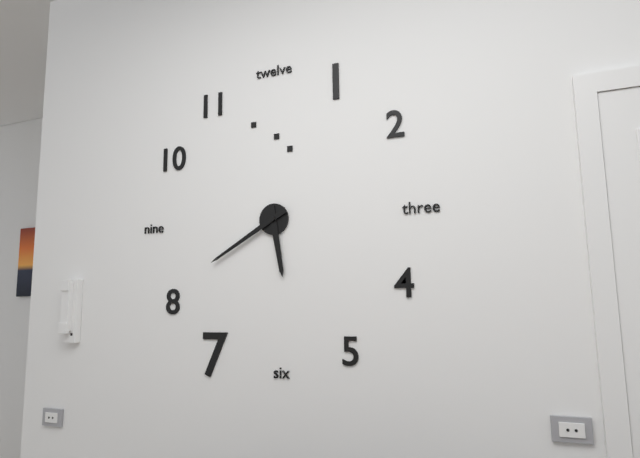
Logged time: 5,40
